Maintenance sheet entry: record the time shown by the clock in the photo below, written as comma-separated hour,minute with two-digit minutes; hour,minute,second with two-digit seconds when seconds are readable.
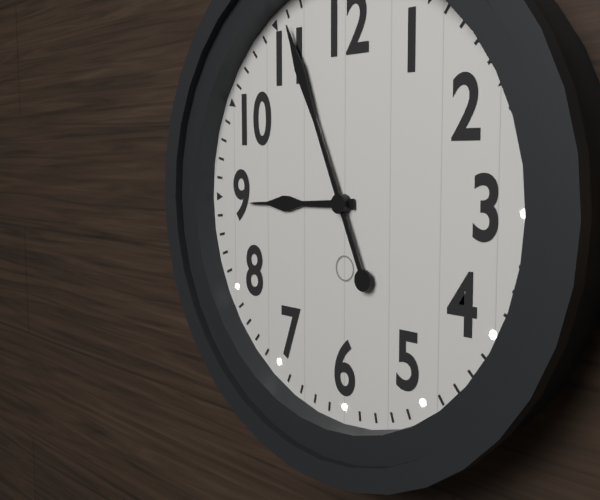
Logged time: 8,56
